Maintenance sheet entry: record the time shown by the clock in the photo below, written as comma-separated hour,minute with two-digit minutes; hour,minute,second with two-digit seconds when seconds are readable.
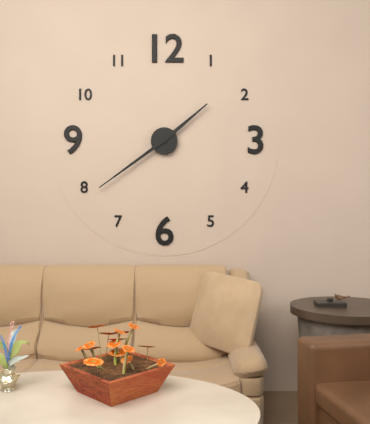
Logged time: 1,39
